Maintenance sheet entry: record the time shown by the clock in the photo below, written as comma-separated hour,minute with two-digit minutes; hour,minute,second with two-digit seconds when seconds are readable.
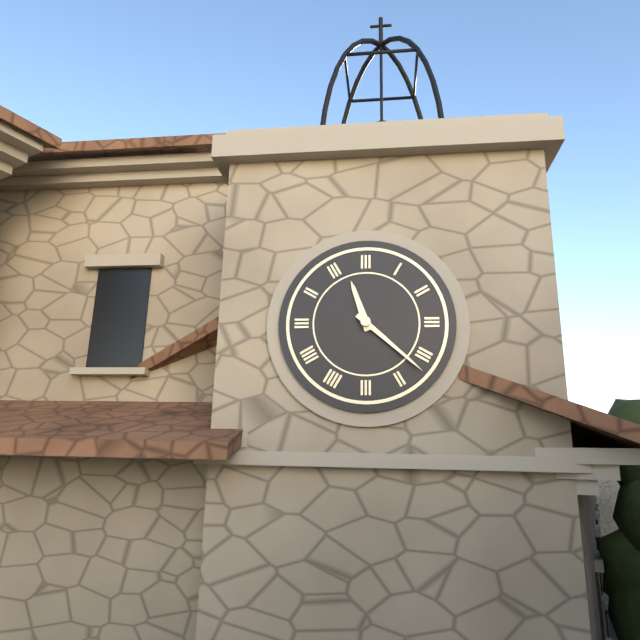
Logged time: 11,22
